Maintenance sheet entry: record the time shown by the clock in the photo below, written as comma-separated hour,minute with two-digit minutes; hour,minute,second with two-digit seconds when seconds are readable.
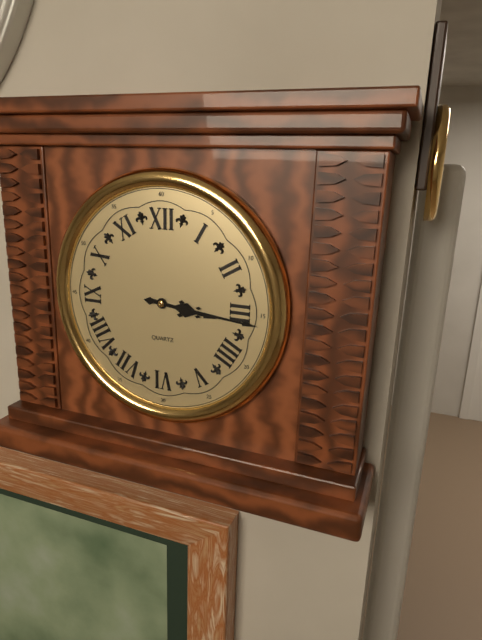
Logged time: 3,16
